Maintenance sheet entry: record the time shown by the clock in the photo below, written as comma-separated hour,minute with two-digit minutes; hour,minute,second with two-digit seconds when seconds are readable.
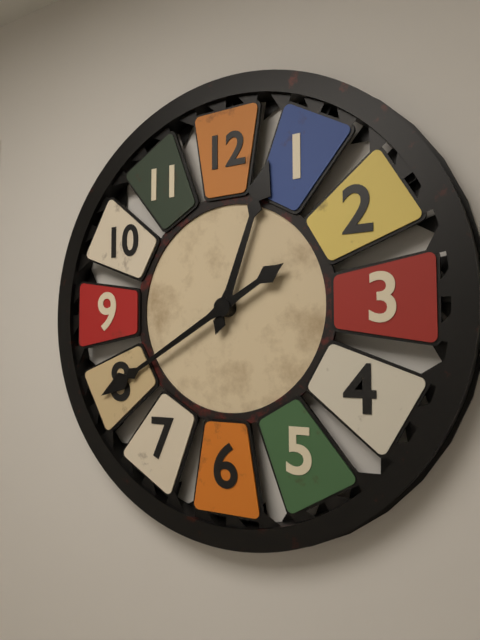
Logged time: 12,40
